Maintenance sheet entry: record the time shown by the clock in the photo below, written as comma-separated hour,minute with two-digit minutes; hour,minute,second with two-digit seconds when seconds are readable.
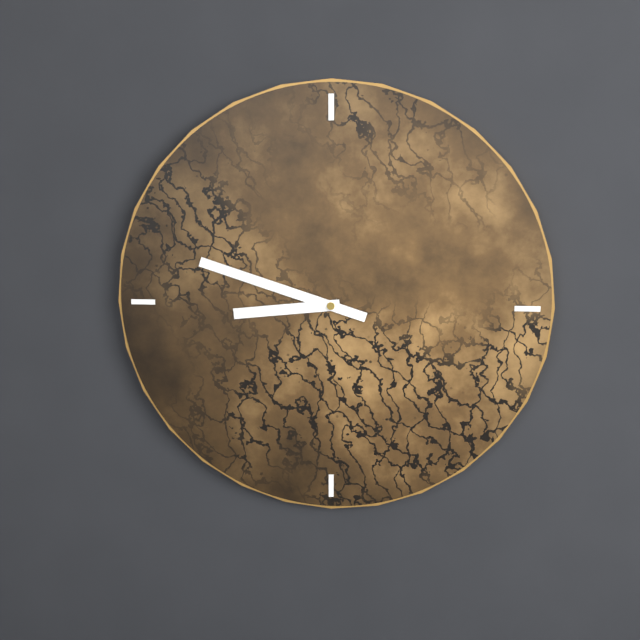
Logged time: 8,48
